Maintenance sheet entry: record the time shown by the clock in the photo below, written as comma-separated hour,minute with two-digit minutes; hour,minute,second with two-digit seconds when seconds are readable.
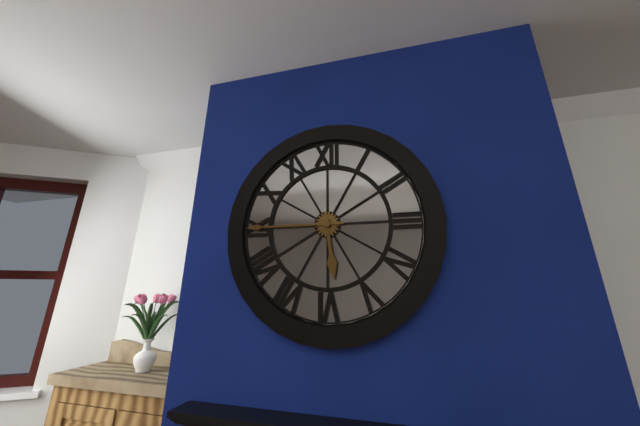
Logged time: 5,45
